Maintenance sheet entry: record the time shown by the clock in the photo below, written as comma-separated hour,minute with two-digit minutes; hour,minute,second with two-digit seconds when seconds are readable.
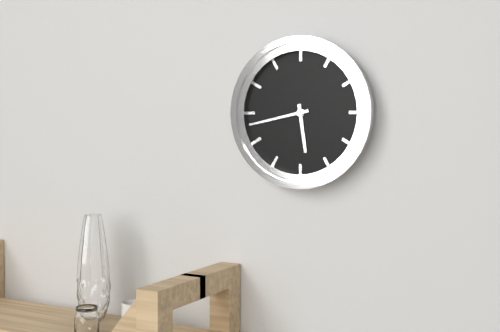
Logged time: 5,43
